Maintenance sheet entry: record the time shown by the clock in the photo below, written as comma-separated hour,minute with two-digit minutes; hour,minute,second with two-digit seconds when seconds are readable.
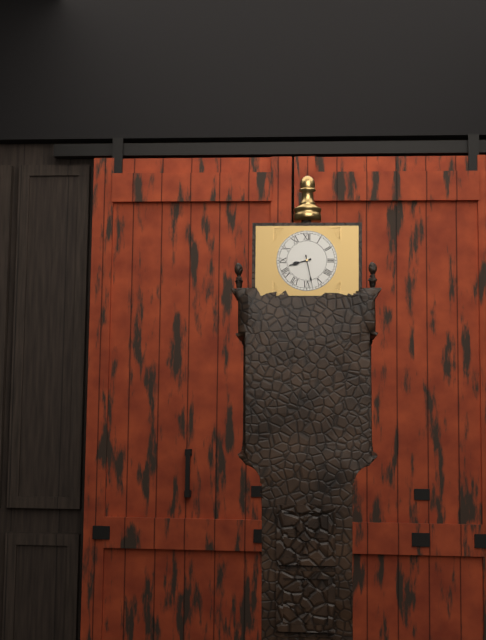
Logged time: 8,28
